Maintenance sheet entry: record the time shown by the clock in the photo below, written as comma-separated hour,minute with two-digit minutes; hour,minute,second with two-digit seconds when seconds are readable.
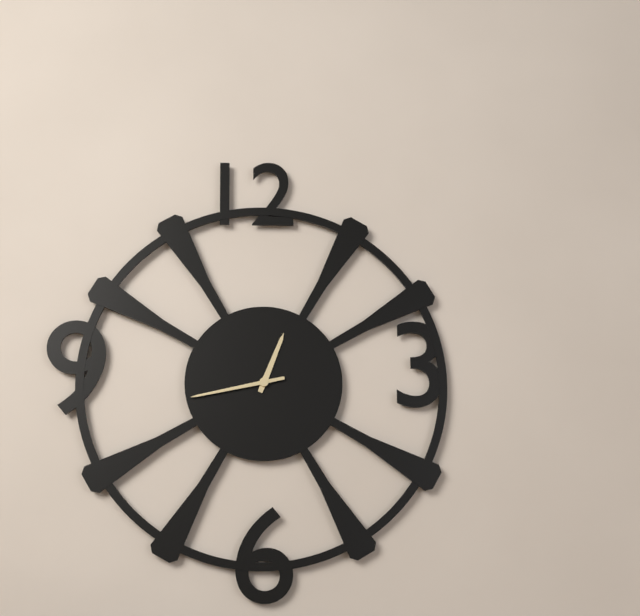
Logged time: 12,43
